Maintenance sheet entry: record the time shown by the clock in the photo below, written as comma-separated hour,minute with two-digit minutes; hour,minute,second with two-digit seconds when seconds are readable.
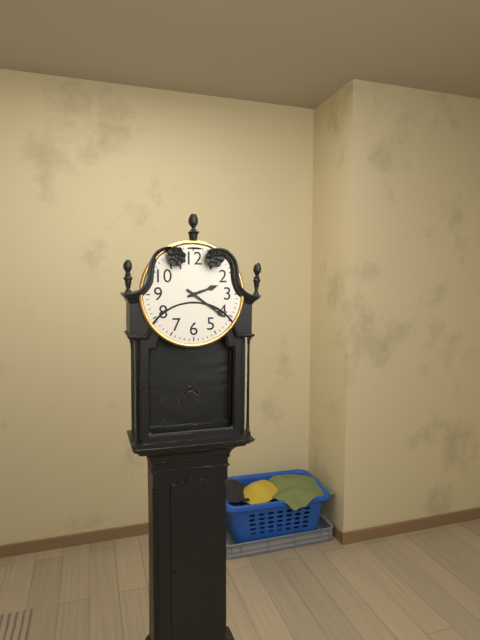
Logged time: 2,21
